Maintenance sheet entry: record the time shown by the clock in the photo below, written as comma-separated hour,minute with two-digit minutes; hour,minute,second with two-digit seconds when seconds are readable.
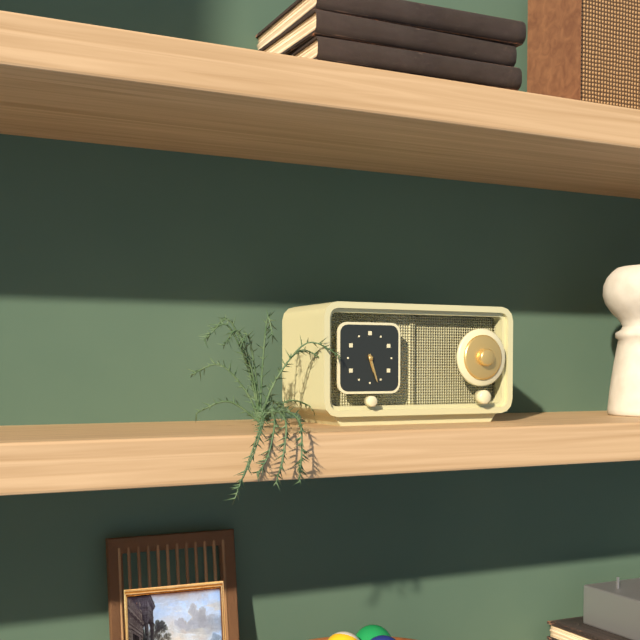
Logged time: 5,27
